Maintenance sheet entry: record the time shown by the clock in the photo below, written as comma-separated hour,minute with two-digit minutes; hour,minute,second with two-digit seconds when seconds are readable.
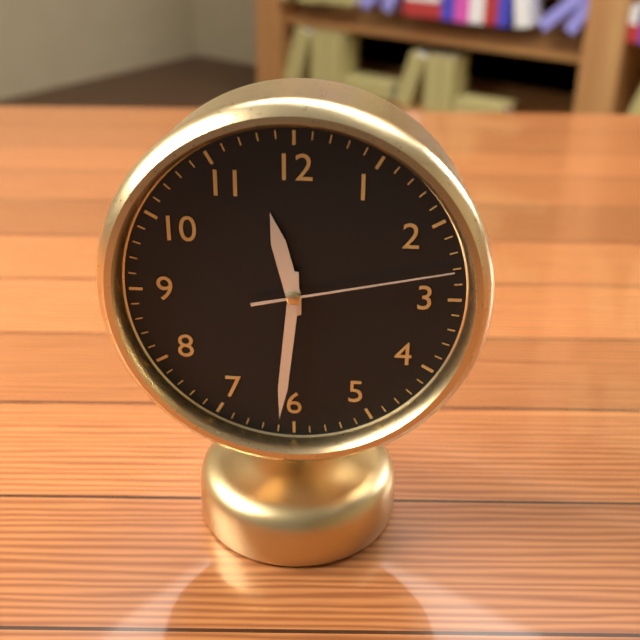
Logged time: 11,31,13
